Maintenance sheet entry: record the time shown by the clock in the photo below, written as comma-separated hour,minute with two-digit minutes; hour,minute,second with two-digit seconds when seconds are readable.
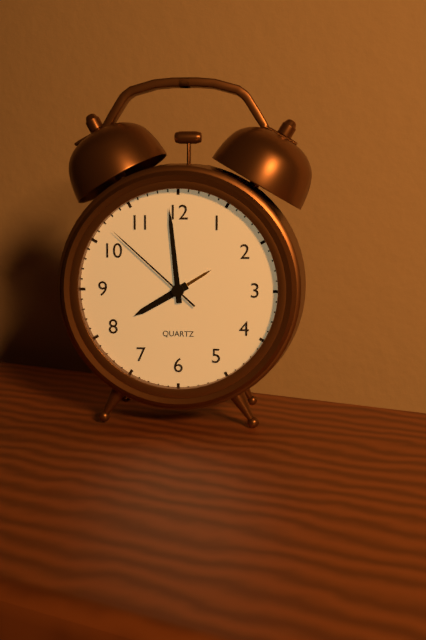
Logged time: 7,59,52
